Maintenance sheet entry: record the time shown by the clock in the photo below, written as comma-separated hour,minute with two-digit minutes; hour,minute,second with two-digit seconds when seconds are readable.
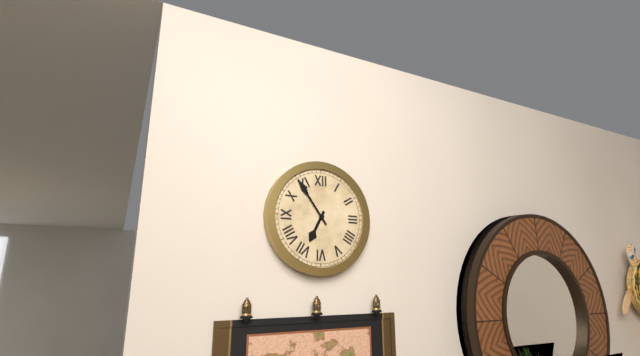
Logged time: 6,54
